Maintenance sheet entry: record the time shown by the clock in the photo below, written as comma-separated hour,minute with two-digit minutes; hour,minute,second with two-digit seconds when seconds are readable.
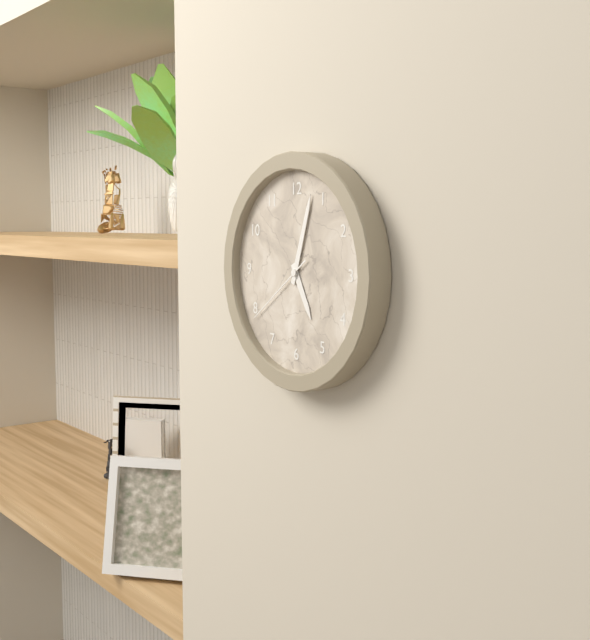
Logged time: 5,03,39
